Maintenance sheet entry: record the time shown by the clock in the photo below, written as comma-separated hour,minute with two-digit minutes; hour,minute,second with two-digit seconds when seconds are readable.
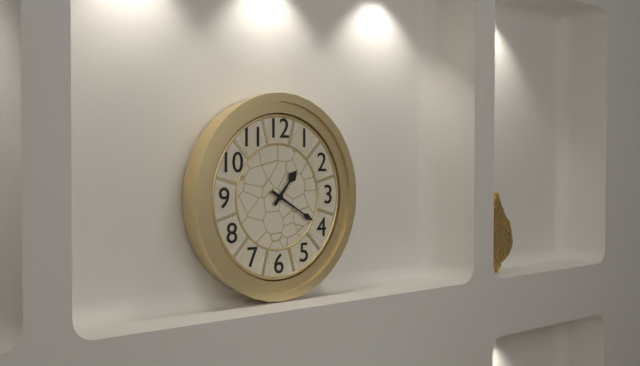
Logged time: 1,20
